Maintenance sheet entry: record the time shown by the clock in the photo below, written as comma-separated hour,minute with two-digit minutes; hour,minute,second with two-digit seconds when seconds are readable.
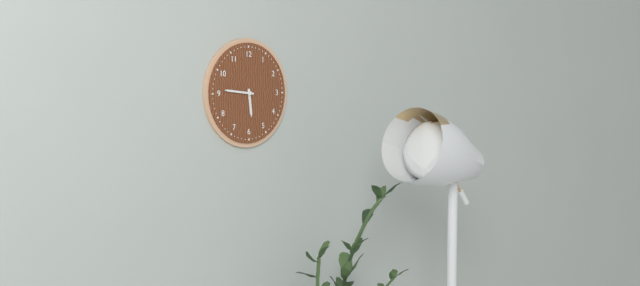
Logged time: 5,46
